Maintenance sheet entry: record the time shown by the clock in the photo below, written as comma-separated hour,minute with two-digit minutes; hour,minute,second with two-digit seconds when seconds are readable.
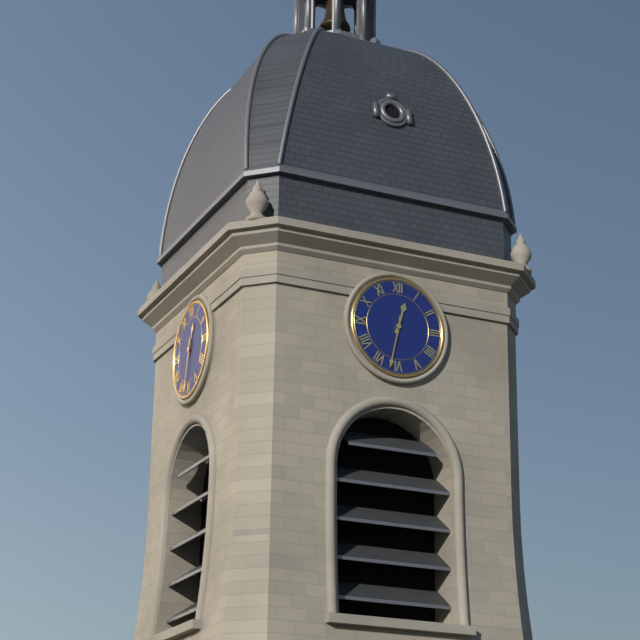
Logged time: 12,32
